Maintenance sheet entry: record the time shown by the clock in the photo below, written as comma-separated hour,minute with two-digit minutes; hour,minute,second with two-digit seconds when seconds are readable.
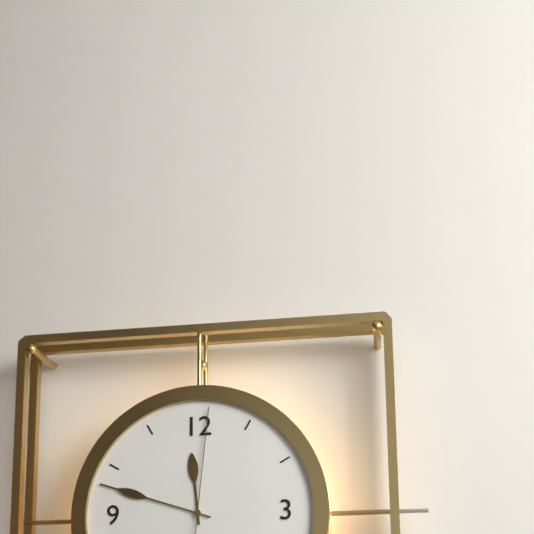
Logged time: 11,48,01
